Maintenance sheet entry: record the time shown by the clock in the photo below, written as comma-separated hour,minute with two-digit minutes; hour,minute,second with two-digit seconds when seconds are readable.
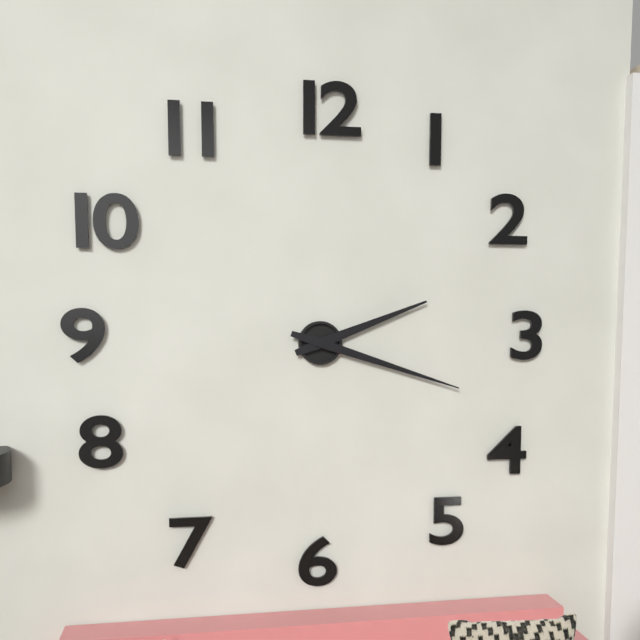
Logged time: 2,18
